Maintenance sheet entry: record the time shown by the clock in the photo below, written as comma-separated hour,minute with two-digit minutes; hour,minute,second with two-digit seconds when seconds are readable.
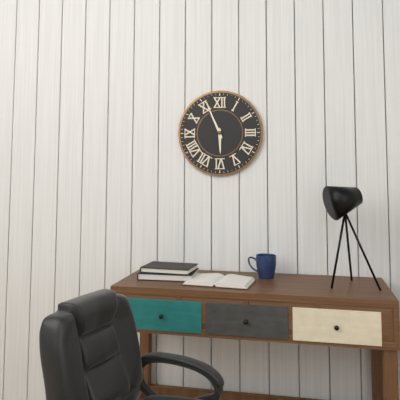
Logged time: 5,56
